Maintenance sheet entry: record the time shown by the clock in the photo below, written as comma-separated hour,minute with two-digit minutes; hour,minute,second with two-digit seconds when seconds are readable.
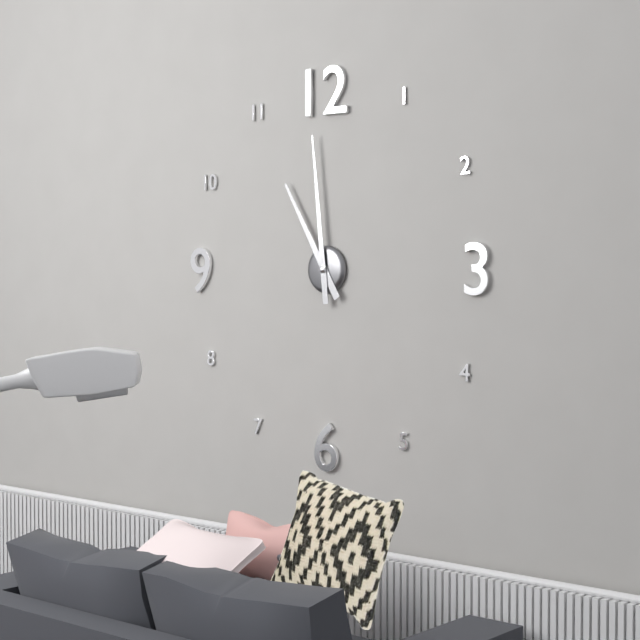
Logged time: 10,59
